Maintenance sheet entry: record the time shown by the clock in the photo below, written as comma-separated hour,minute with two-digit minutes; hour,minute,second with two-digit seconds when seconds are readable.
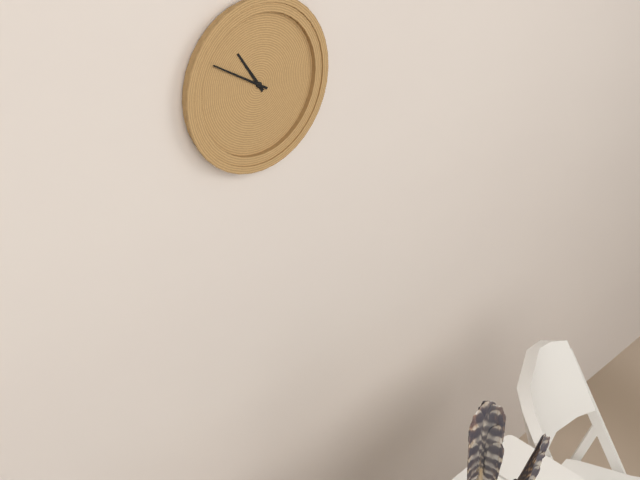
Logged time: 10,50
